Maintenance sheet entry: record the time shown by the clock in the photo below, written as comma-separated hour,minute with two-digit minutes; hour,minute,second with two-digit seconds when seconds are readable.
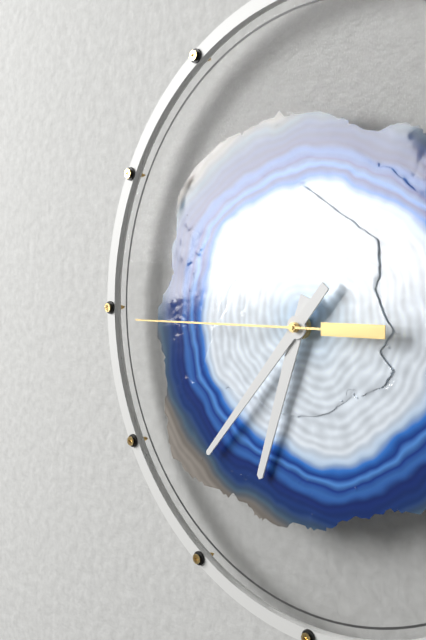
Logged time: 6,37,45
